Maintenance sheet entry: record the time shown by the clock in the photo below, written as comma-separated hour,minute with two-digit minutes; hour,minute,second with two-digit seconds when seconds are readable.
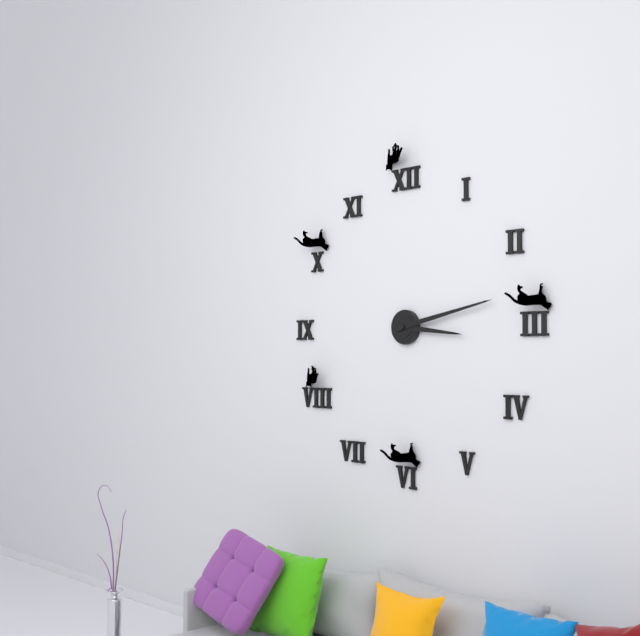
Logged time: 3,13
